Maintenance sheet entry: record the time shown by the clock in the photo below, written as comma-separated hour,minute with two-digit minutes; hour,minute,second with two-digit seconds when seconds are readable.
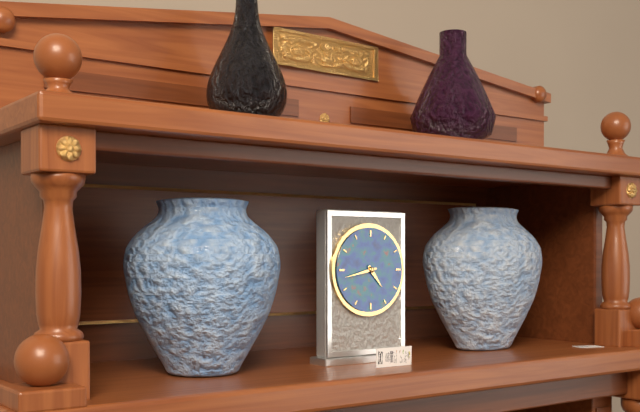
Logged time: 4,43
